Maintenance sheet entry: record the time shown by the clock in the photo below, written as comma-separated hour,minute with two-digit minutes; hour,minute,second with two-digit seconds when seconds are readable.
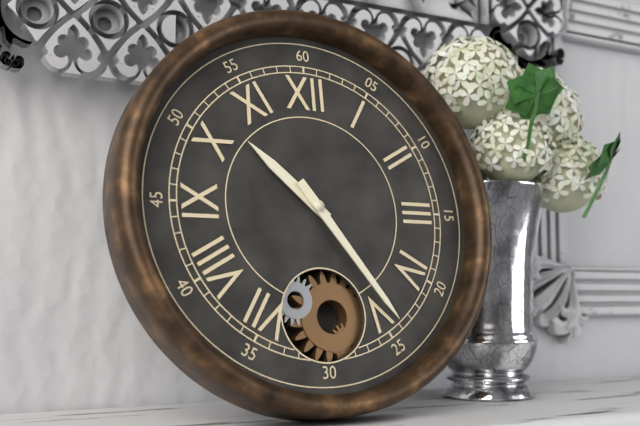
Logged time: 10,24
